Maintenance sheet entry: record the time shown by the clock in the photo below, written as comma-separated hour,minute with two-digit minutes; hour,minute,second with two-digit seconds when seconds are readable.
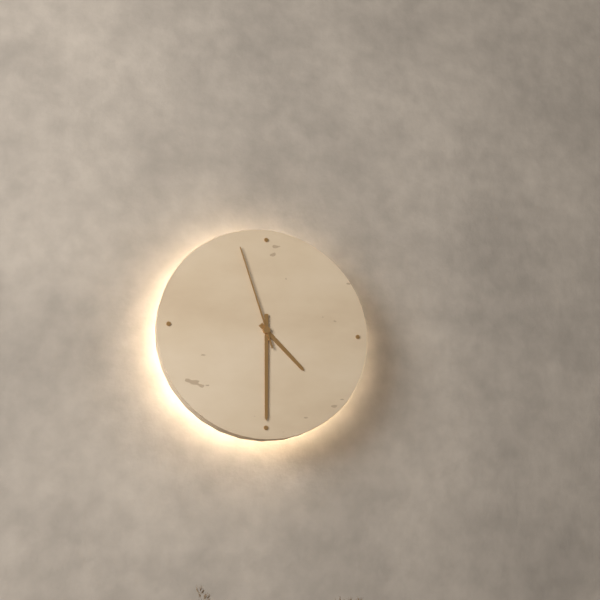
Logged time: 4,30,57
